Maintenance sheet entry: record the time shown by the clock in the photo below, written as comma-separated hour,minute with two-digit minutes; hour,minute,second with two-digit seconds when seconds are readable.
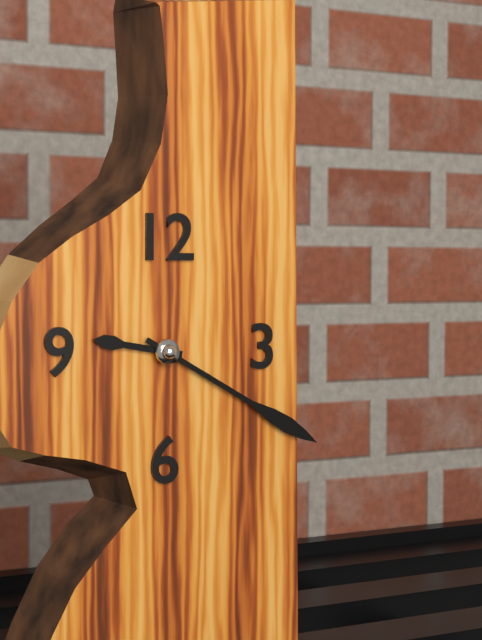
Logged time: 9,20
